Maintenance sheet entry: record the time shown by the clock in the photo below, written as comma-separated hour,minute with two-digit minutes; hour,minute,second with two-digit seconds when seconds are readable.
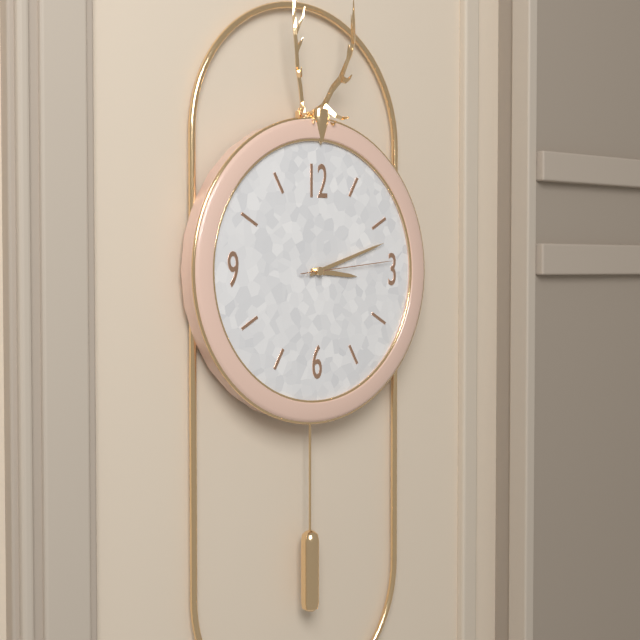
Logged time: 3,12,14
